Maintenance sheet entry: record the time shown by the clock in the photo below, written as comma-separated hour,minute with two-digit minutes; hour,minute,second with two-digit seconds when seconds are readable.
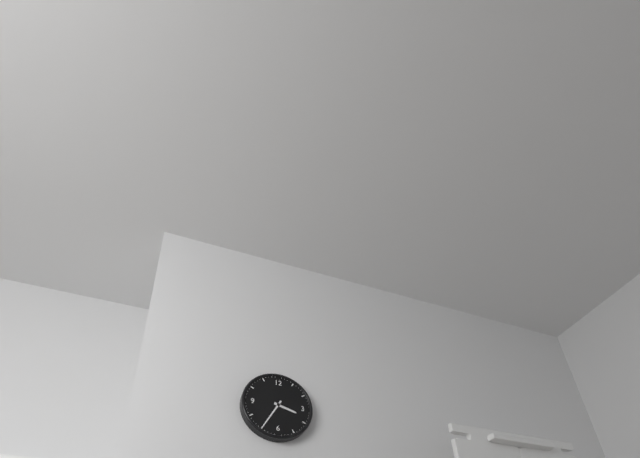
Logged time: 3,35
